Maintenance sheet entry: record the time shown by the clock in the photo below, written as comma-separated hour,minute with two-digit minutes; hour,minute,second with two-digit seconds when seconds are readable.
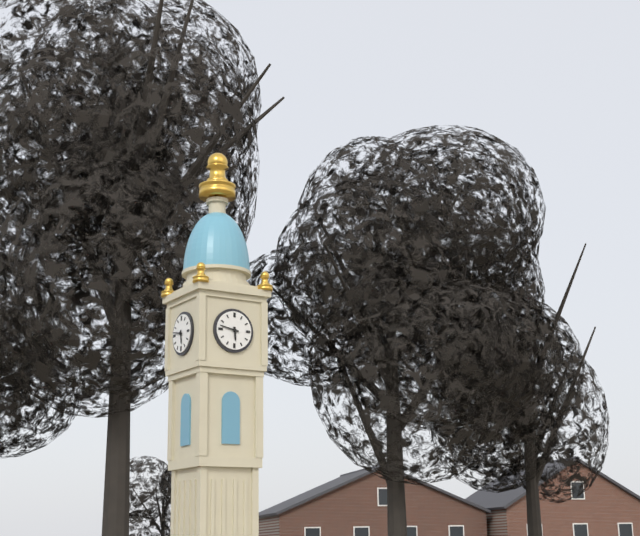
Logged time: 5,47
